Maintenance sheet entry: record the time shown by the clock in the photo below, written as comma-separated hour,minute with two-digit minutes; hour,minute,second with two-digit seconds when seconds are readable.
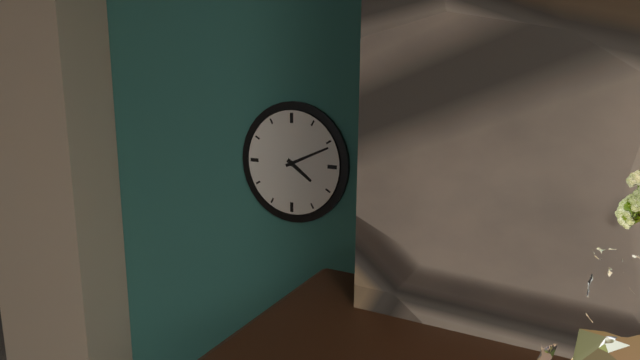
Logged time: 4,11
